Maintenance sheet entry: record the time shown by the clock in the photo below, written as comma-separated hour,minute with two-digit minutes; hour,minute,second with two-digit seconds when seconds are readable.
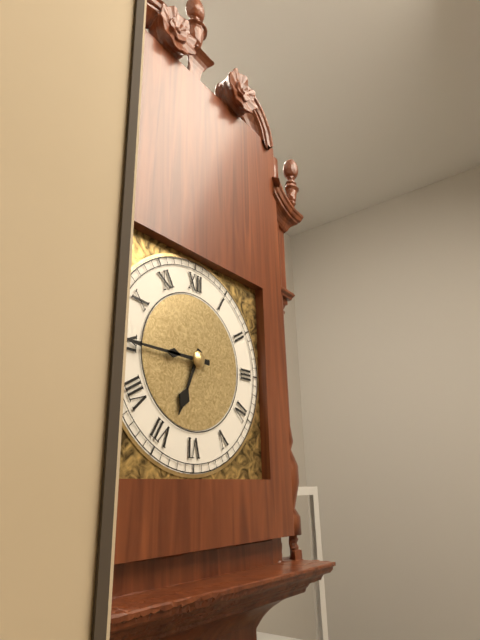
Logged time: 6,45
